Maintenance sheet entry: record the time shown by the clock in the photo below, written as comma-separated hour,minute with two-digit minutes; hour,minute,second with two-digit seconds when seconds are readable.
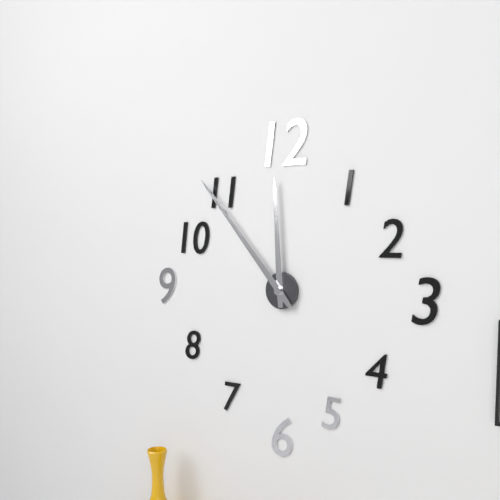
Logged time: 11,53
